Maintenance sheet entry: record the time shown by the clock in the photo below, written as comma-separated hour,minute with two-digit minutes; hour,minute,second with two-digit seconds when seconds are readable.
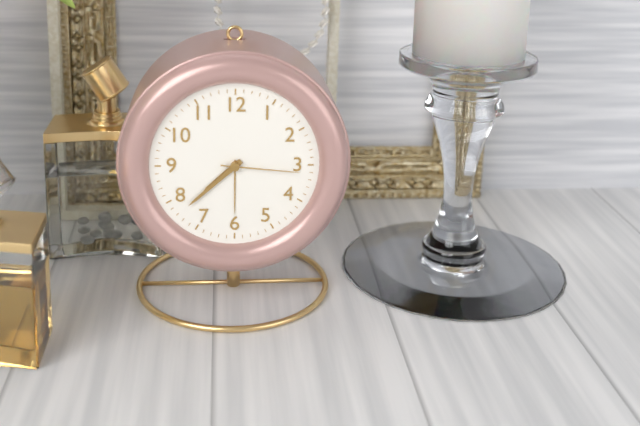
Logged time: 7,38,16
